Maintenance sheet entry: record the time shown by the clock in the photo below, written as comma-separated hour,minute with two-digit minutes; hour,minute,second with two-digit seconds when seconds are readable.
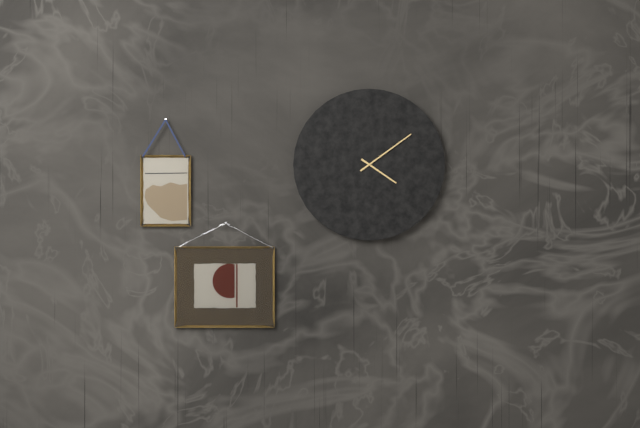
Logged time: 4,09
